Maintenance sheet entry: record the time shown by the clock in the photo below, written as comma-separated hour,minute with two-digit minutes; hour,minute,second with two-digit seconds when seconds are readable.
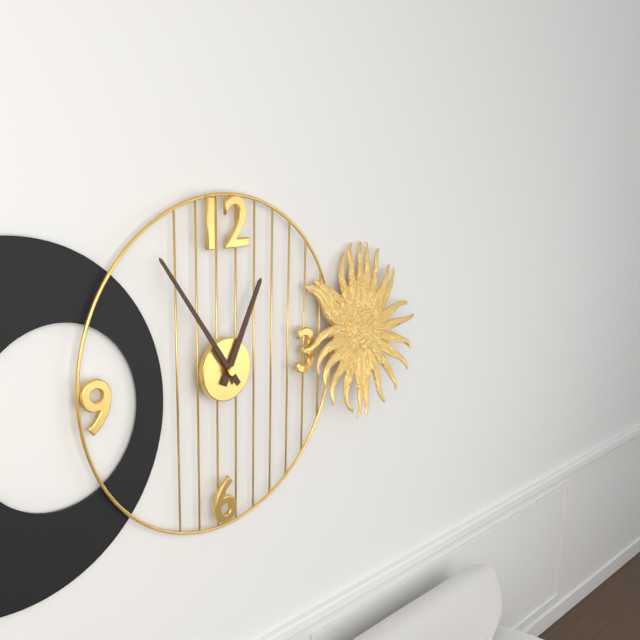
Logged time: 12,54
